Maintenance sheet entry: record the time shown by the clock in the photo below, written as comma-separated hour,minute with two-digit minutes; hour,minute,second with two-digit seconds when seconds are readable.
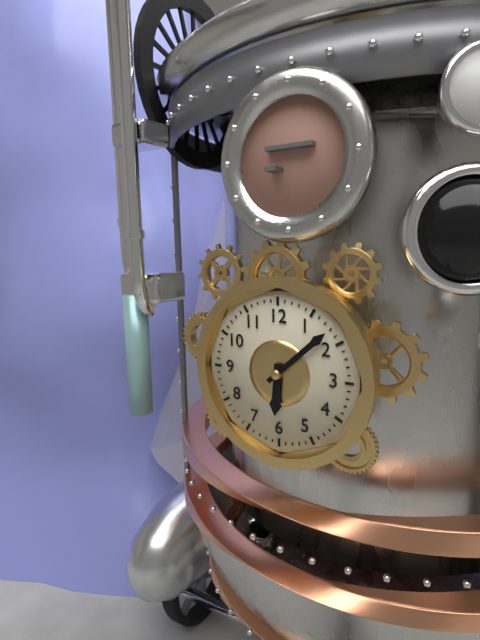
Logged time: 6,08
